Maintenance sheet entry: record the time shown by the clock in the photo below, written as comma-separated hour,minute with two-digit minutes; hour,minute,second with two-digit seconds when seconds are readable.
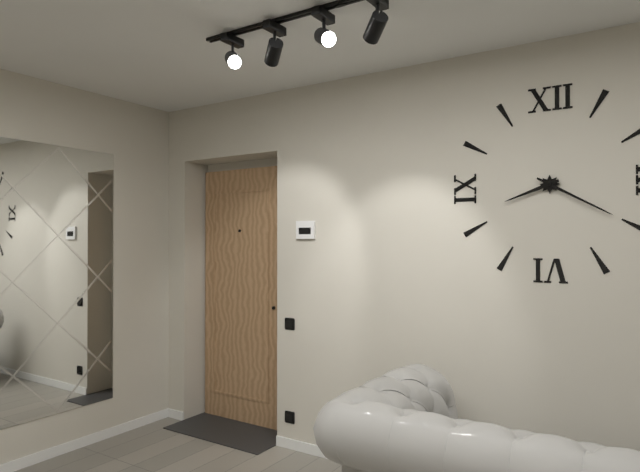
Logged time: 8,20
